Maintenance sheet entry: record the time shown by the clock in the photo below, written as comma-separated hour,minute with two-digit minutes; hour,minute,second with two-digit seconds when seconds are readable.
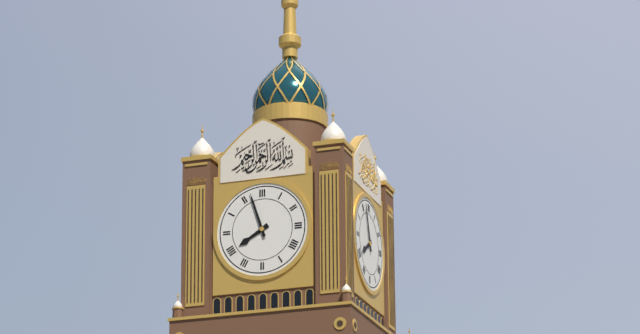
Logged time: 7,57
